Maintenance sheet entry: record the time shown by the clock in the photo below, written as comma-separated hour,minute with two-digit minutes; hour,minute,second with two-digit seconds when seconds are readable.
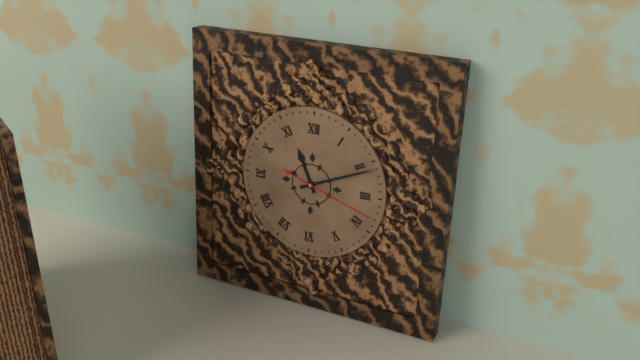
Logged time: 11,11,18
